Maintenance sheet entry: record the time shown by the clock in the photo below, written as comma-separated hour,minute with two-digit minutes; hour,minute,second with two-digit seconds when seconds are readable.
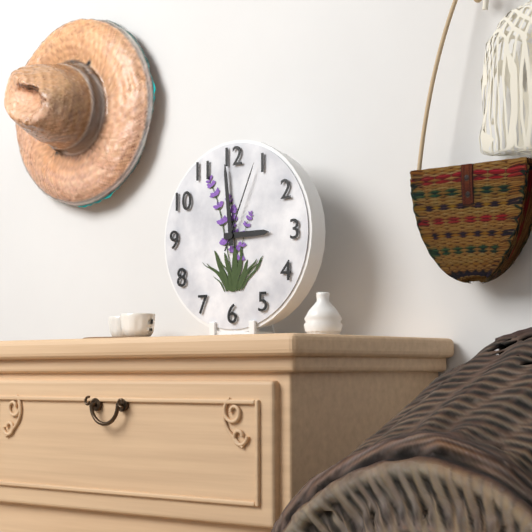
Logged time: 2,59,04
